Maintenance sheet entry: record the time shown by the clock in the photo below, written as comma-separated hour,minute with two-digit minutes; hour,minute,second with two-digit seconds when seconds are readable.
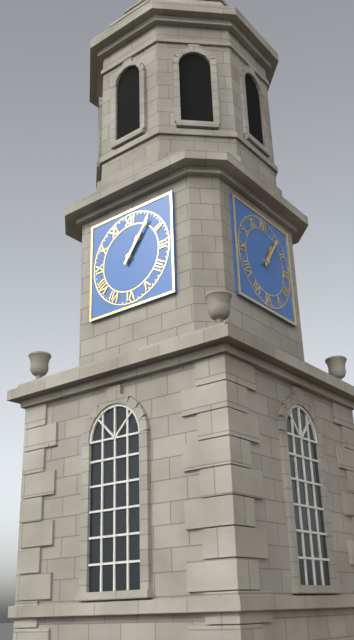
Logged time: 1,06
